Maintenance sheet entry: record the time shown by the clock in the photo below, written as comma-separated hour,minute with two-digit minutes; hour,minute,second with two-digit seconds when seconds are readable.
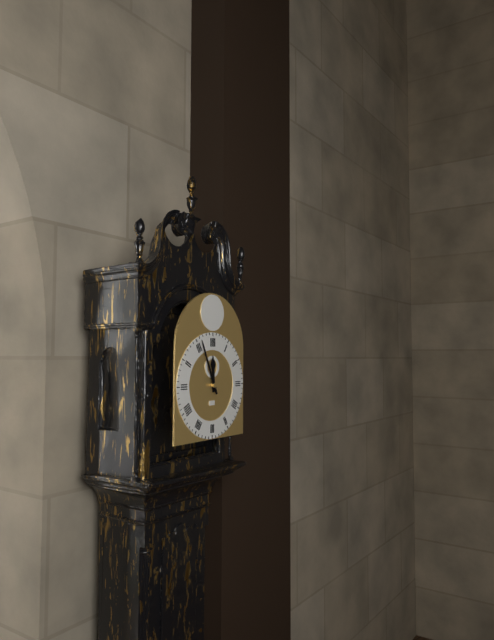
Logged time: 11,56
